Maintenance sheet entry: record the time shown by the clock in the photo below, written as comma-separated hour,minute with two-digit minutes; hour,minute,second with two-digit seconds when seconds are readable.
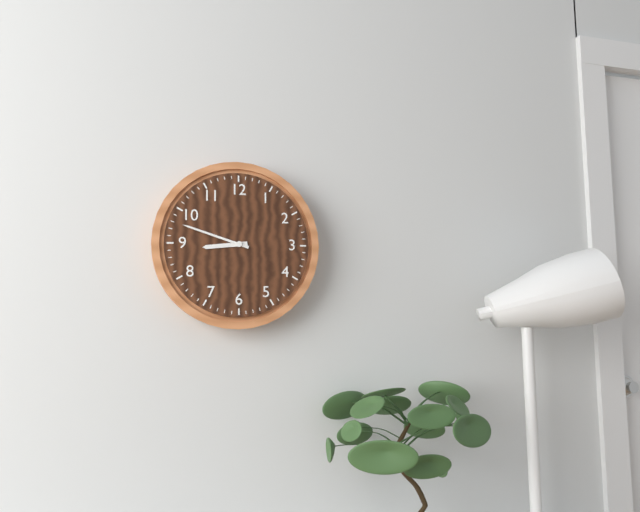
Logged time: 8,48
